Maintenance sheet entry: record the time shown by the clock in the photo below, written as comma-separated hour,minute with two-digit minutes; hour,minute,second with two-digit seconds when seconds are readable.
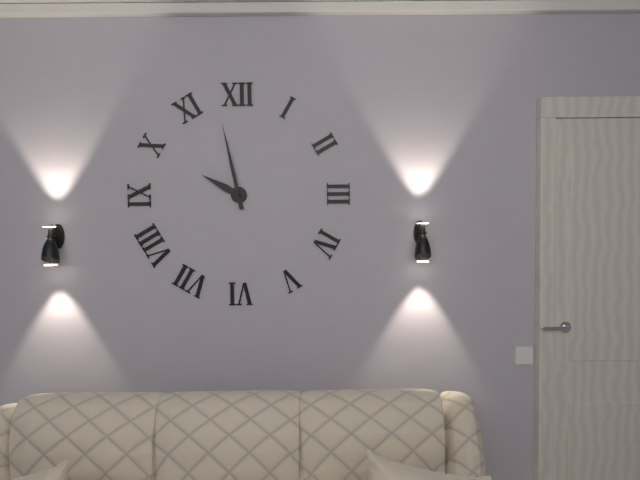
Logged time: 9,58
